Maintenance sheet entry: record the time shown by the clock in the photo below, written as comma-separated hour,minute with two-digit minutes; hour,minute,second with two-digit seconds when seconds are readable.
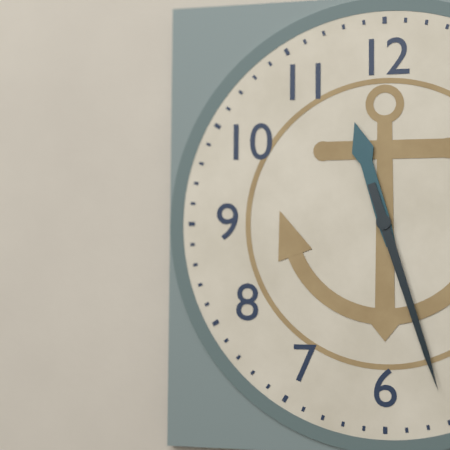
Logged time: 11,27
